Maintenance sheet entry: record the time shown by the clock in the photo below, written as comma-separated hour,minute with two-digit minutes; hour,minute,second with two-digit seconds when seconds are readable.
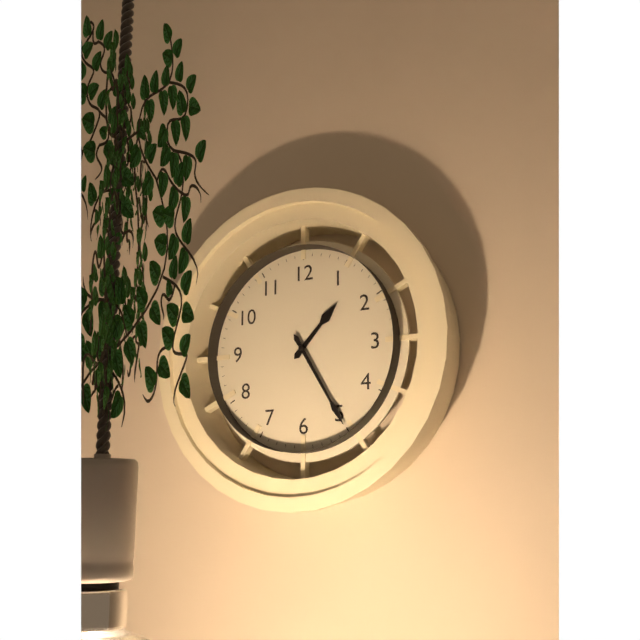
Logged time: 1,25
